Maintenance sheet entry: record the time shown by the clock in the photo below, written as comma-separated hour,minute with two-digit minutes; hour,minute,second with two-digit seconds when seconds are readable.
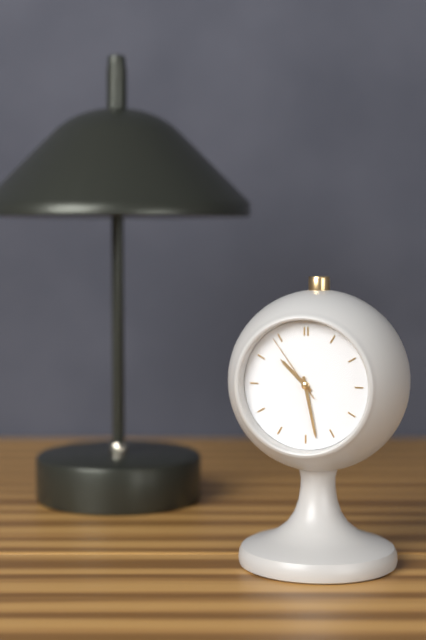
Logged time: 10,28,54
